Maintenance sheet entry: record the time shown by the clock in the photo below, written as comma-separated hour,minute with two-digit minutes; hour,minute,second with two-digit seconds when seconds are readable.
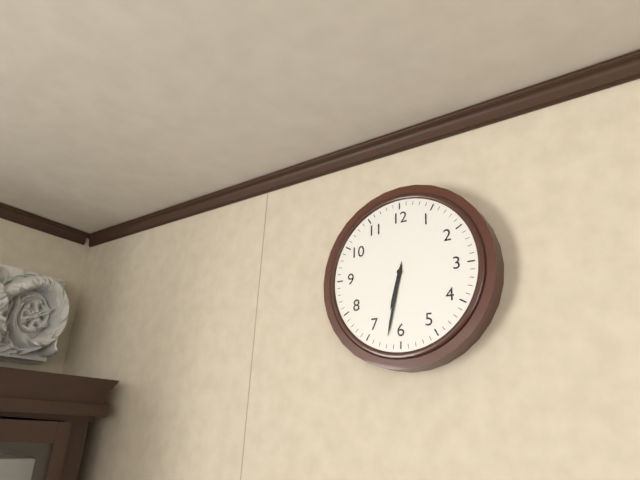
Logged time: 6,32
